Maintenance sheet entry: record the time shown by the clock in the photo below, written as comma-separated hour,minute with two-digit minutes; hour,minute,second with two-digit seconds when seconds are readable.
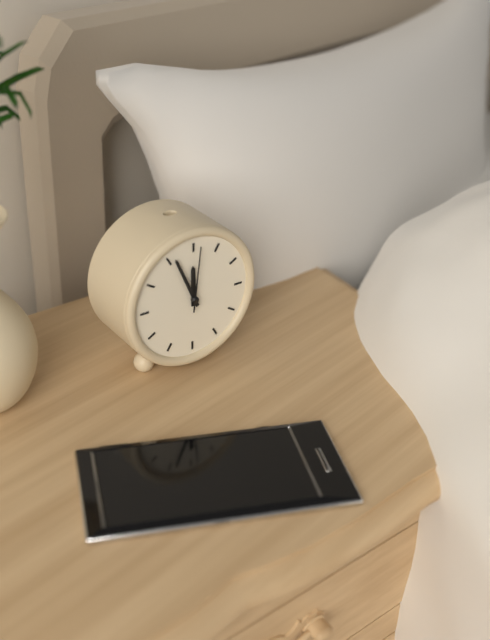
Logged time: 11,56,01
